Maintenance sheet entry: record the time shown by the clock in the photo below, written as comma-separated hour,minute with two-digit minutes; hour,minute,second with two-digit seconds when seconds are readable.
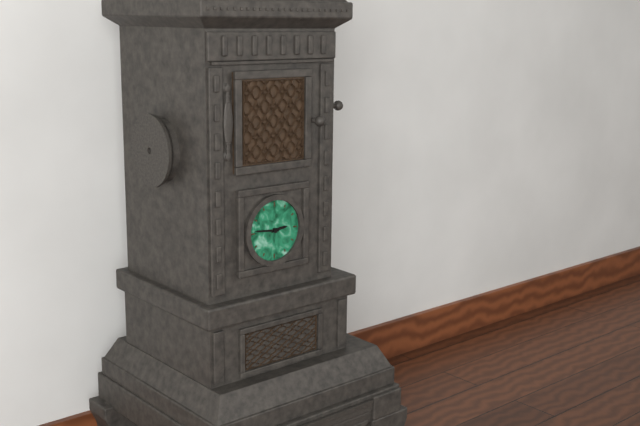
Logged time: 2,46
